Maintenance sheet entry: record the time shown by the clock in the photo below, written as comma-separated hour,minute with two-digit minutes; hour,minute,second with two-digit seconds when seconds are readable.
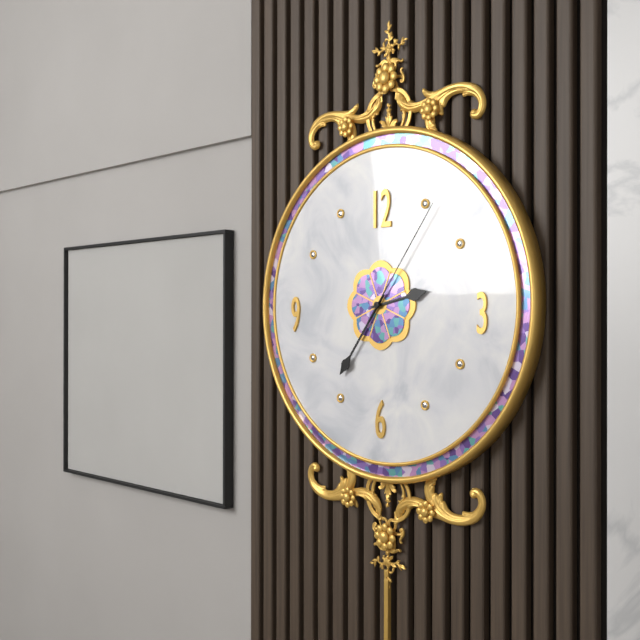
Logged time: 2,36,06
